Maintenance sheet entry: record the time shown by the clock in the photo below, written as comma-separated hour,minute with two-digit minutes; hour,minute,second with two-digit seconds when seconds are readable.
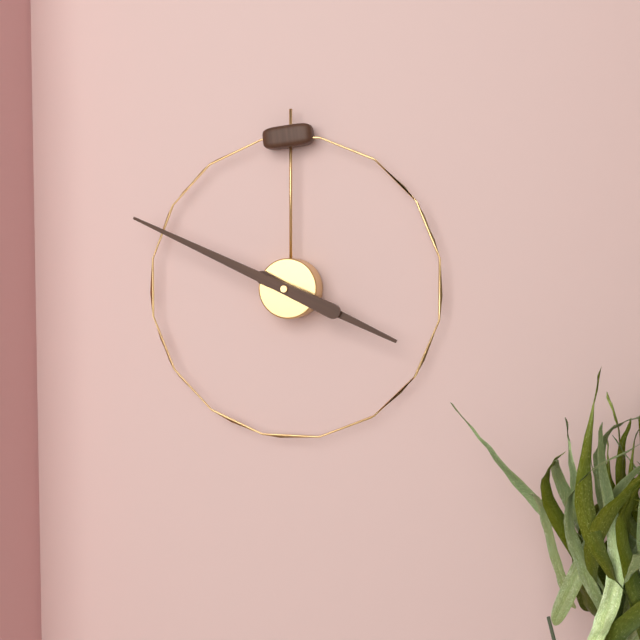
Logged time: 3,49
